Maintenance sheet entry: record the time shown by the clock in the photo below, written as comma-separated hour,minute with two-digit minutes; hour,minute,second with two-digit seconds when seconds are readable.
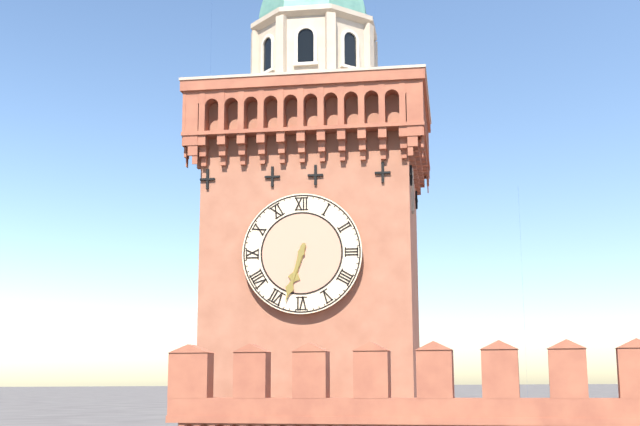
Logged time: 6,33
